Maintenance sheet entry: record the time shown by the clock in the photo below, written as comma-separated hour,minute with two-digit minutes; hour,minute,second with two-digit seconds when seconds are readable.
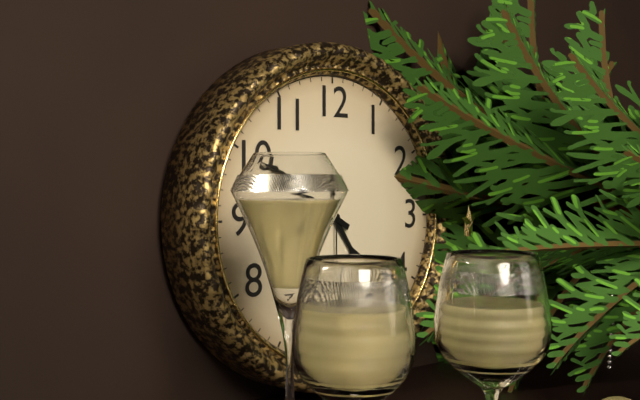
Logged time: 4,50
